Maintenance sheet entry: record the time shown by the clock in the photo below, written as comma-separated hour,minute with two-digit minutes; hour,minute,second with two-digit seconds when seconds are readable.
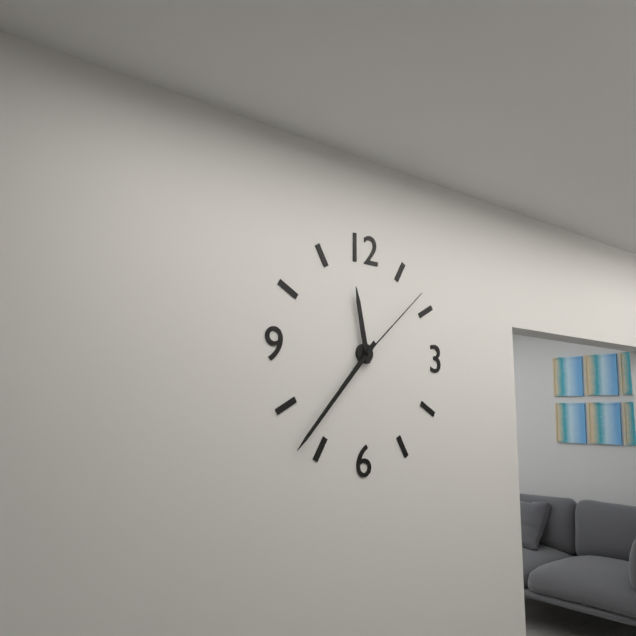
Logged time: 11,37,08
